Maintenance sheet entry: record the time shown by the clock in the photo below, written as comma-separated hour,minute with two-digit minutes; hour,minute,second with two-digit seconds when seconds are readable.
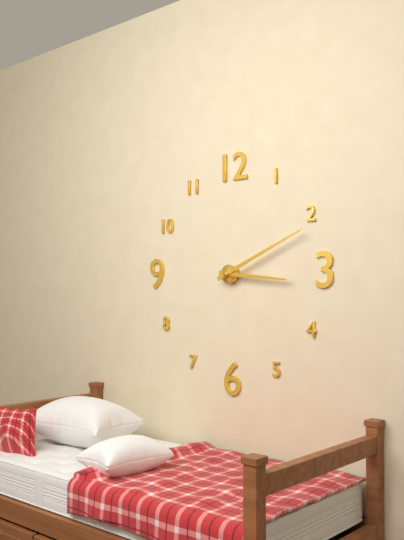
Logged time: 3,11
